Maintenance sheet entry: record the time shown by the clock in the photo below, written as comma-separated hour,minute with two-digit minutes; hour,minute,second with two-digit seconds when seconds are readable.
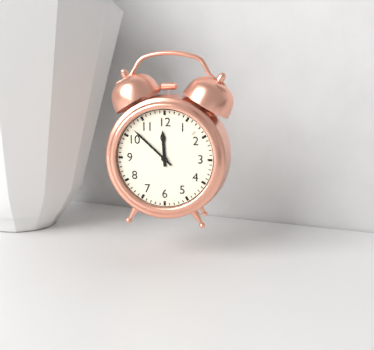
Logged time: 11,52
